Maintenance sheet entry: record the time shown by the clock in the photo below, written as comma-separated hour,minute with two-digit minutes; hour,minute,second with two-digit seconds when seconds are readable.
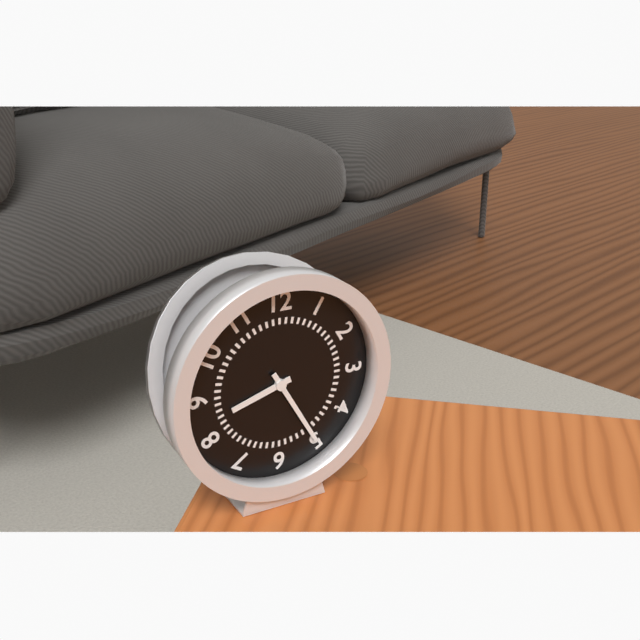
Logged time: 8,25
